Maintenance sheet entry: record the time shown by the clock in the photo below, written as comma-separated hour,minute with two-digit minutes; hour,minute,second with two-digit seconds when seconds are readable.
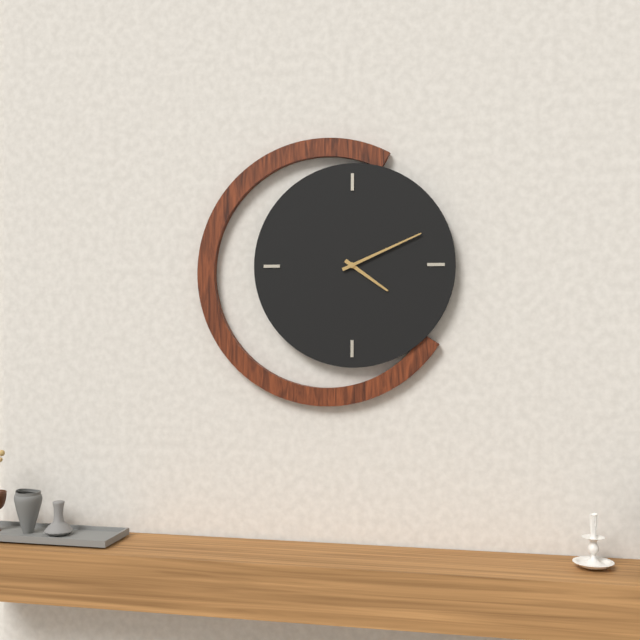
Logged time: 4,11
